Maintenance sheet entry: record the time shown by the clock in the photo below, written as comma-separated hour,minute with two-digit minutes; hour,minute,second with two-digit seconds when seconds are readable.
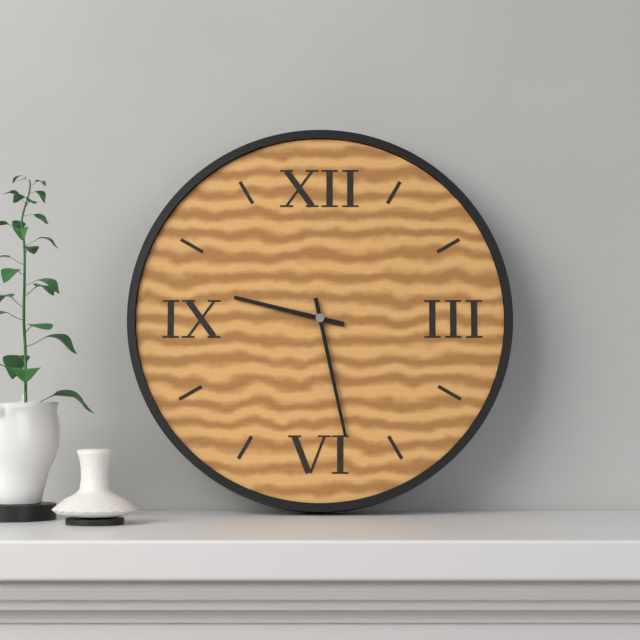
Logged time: 9,28
